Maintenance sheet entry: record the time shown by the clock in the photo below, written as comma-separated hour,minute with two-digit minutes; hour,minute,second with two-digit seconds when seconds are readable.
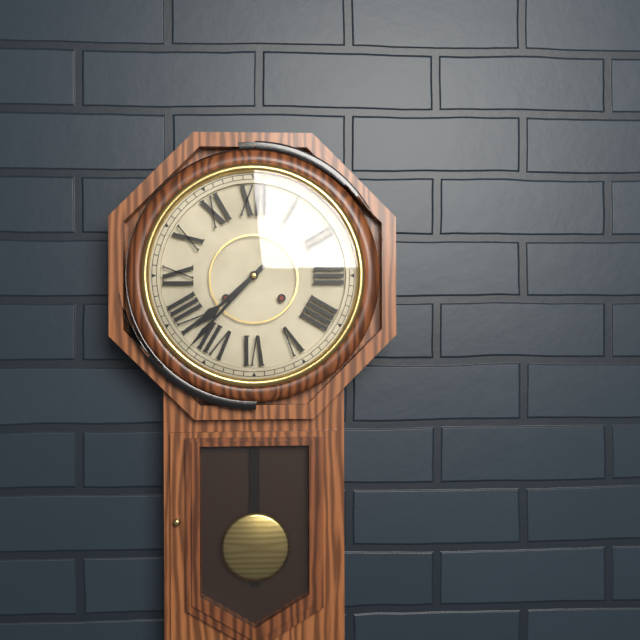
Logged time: 7,37
